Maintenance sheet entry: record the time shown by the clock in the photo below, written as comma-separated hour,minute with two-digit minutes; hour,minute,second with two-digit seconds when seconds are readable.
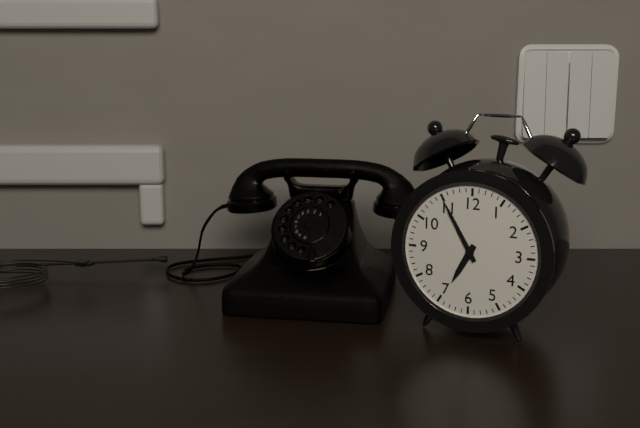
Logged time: 6,55
